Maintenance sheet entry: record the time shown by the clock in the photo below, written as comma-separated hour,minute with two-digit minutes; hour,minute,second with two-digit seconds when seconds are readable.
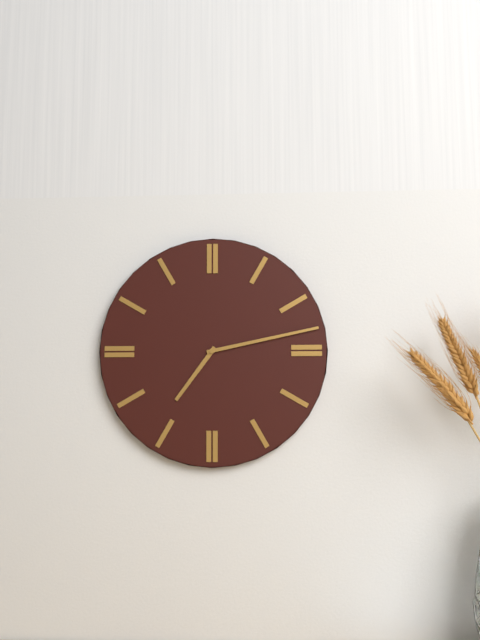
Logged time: 7,13
